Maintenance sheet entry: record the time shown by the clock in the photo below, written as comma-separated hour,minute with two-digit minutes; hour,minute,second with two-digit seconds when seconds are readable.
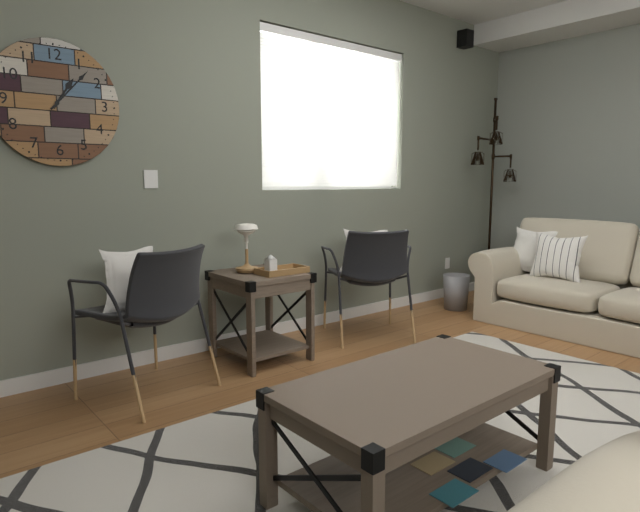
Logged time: 1,07
